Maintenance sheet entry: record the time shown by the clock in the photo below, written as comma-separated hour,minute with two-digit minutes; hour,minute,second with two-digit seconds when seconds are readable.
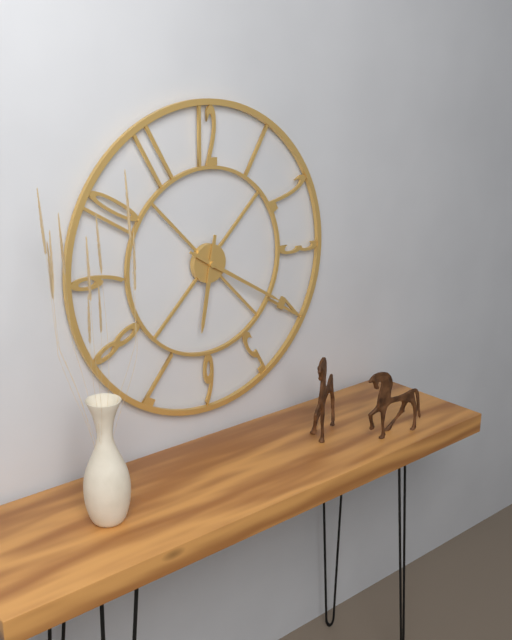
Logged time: 6,20
